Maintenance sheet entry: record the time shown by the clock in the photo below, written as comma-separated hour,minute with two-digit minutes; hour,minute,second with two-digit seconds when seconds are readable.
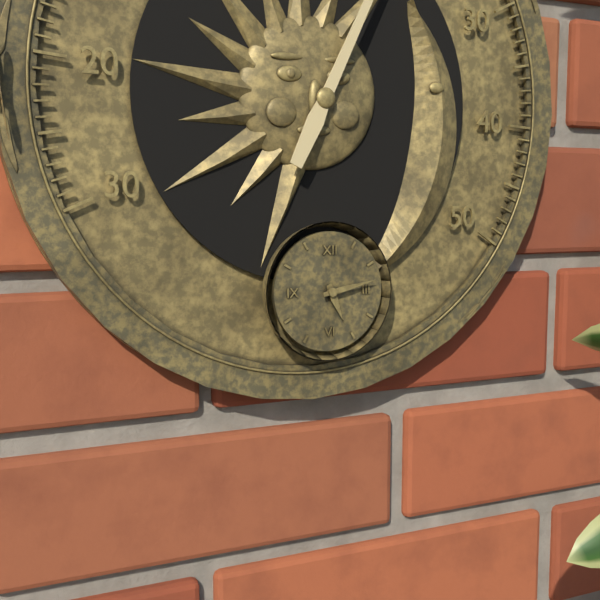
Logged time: 5,13
